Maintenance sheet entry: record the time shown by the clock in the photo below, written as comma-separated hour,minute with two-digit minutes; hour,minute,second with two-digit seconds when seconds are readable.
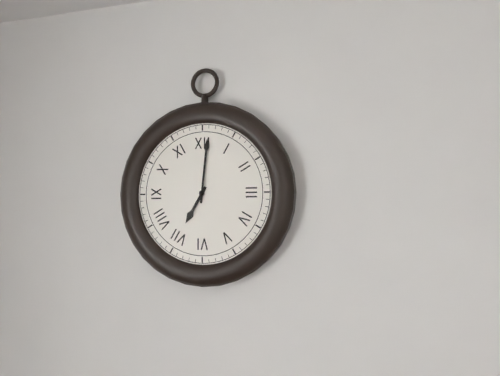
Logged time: 7,01
